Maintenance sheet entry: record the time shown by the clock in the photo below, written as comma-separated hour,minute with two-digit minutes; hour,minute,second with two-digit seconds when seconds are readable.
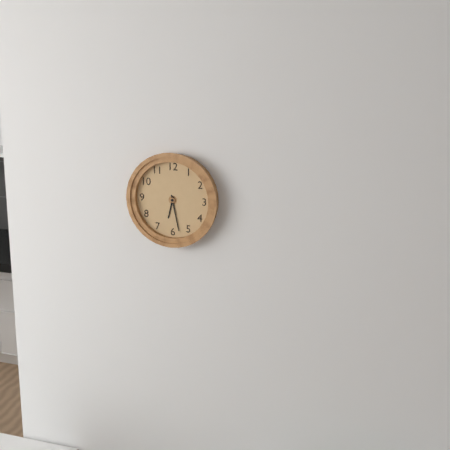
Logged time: 6,28
